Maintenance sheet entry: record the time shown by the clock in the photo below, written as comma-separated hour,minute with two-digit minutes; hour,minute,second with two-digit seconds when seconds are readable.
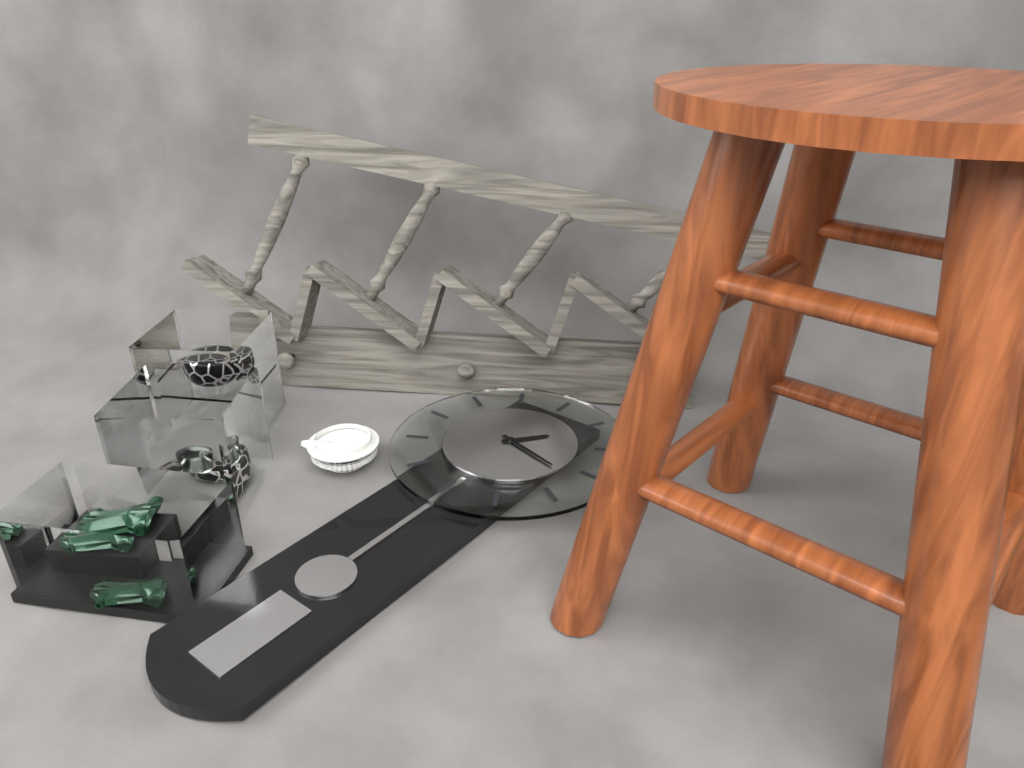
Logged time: 1,17
